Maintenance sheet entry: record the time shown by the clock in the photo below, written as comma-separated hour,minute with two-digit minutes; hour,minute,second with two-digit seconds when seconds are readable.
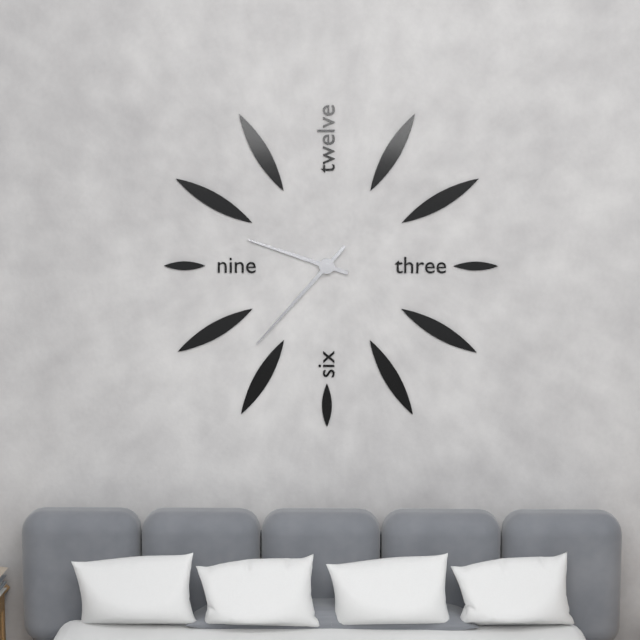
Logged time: 9,37
